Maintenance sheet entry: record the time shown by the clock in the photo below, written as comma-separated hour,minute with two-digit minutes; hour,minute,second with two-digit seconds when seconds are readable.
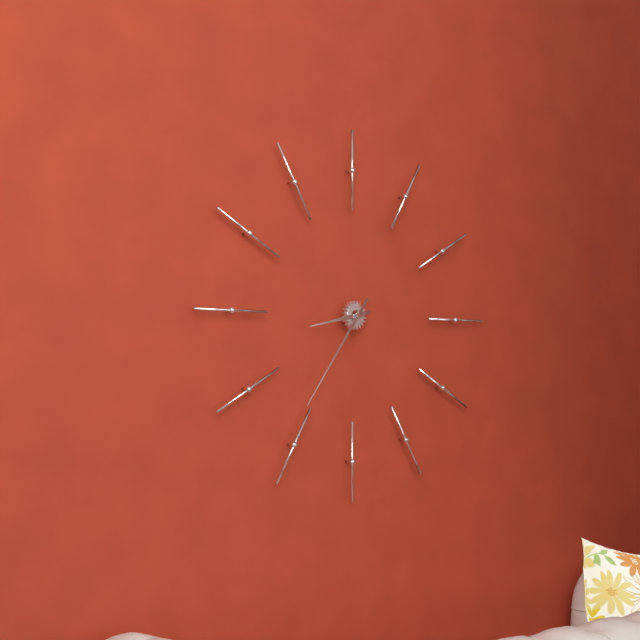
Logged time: 8,36
